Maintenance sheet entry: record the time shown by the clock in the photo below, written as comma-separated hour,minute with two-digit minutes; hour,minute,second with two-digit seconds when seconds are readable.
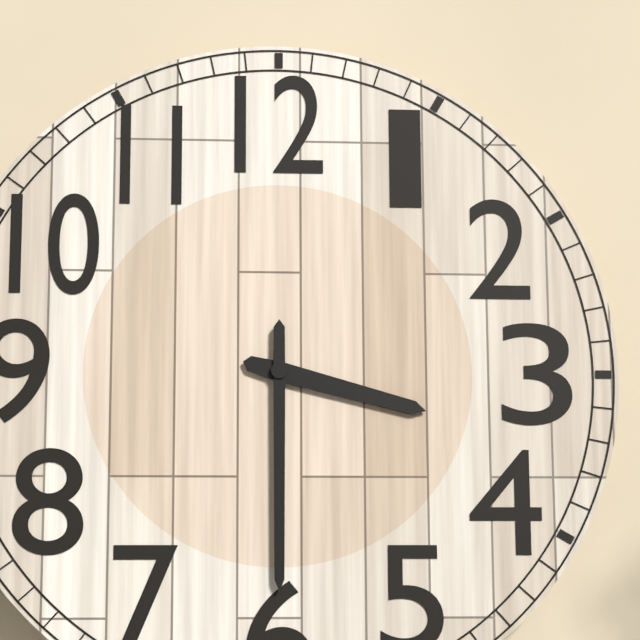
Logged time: 3,30
